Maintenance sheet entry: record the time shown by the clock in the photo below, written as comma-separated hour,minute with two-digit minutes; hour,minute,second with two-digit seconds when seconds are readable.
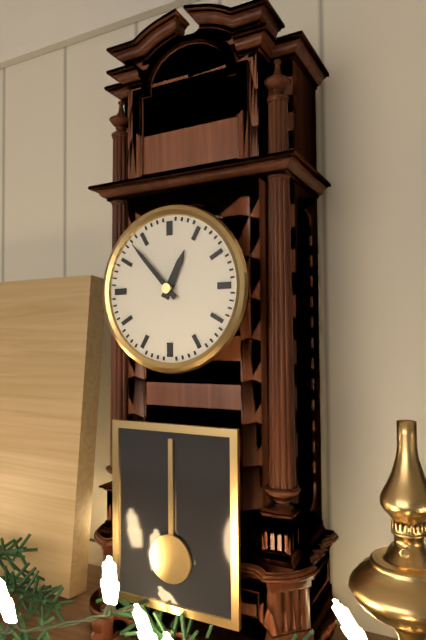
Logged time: 12,53
